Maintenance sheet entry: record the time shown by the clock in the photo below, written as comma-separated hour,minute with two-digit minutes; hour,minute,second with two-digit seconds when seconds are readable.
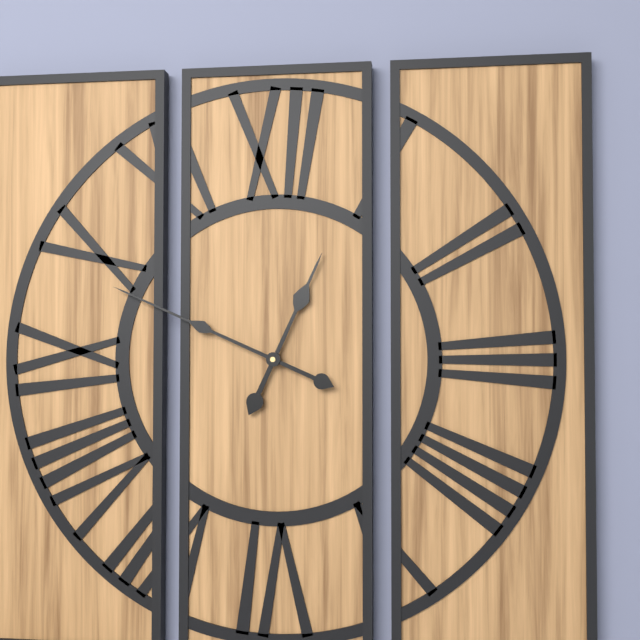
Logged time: 12,49
